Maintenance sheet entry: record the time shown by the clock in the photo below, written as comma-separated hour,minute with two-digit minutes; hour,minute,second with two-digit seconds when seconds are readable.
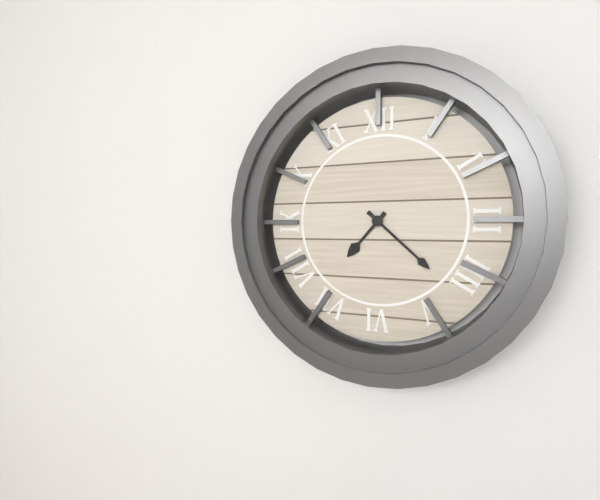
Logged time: 7,22
